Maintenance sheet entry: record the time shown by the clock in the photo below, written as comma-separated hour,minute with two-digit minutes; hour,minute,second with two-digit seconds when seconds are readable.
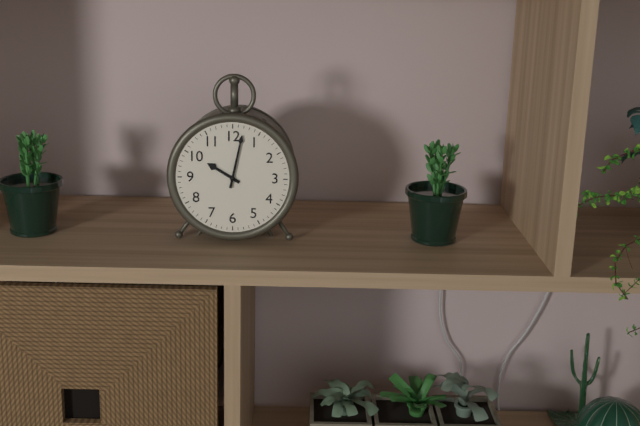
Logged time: 10,02
